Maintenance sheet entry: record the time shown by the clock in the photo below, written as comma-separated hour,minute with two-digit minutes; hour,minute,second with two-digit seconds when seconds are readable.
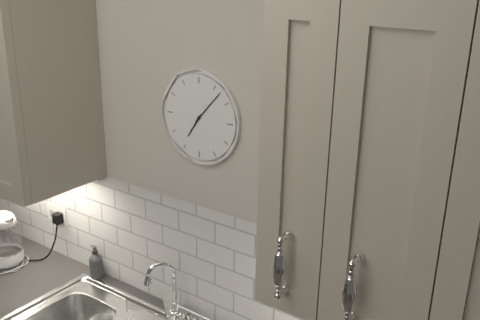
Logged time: 7,07
